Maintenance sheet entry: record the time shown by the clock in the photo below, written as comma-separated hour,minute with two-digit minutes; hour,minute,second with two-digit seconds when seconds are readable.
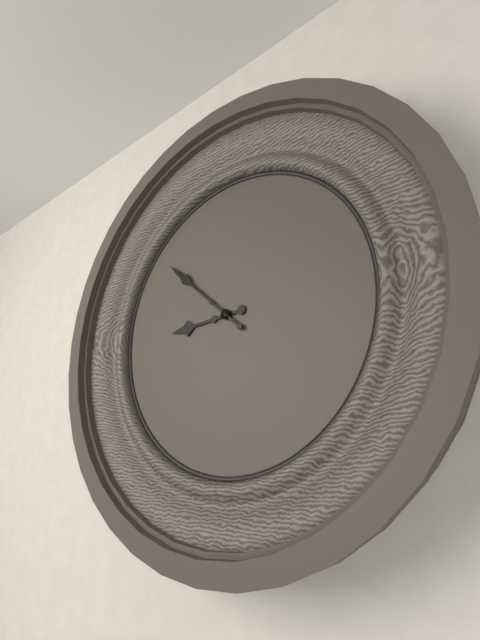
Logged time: 8,52
